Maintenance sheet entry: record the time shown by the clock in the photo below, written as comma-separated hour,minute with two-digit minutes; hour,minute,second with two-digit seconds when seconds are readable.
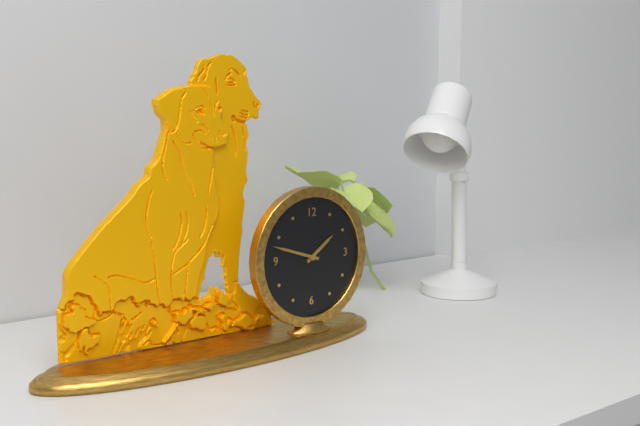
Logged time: 1,48
